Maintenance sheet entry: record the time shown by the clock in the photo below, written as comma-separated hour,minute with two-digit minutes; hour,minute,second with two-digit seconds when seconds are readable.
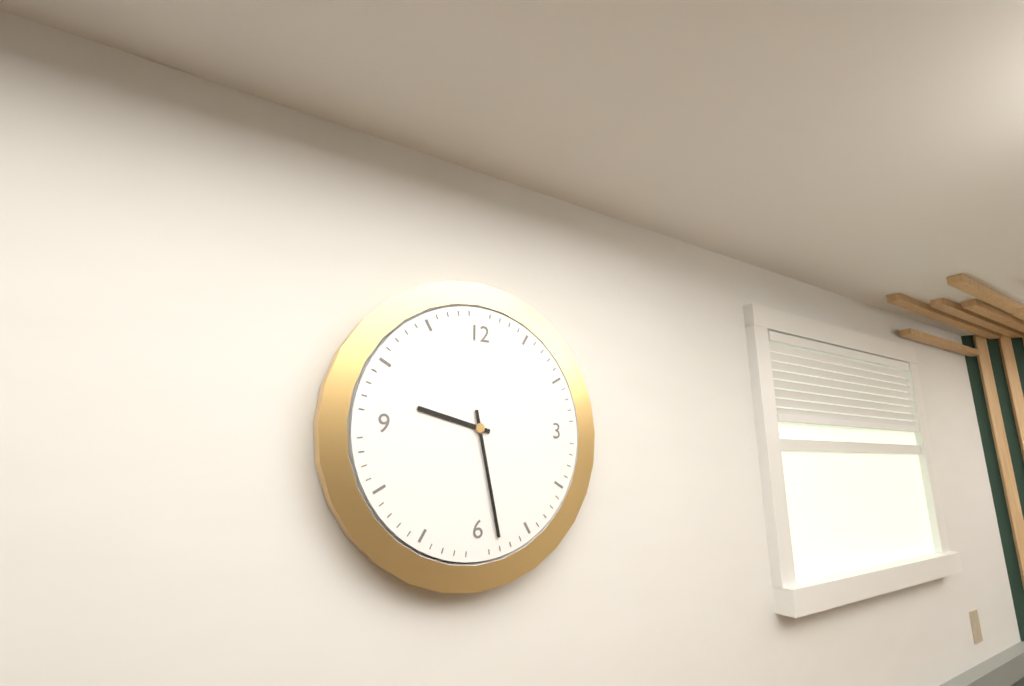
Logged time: 9,28
